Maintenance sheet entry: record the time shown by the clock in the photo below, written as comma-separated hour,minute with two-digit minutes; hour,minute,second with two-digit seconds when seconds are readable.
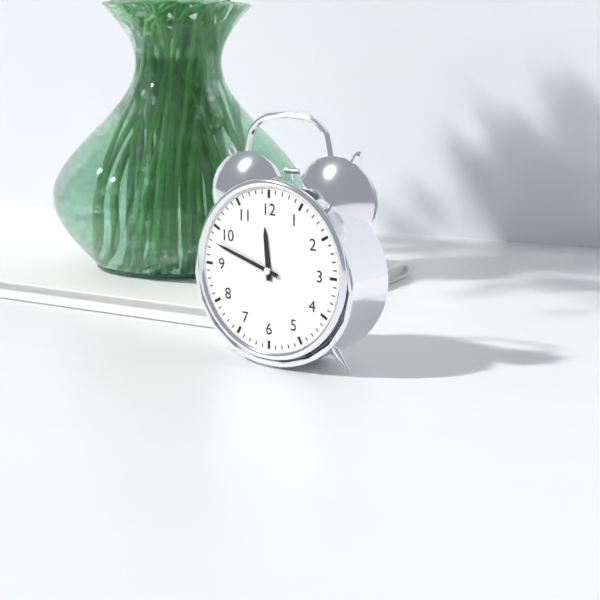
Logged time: 11,48
